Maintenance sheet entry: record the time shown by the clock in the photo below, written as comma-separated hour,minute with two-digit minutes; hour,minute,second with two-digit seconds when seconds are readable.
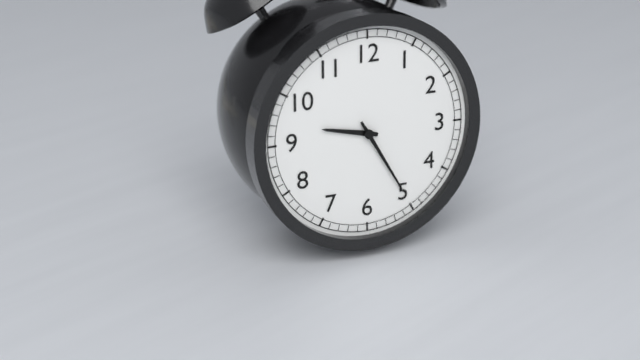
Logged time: 9,25
